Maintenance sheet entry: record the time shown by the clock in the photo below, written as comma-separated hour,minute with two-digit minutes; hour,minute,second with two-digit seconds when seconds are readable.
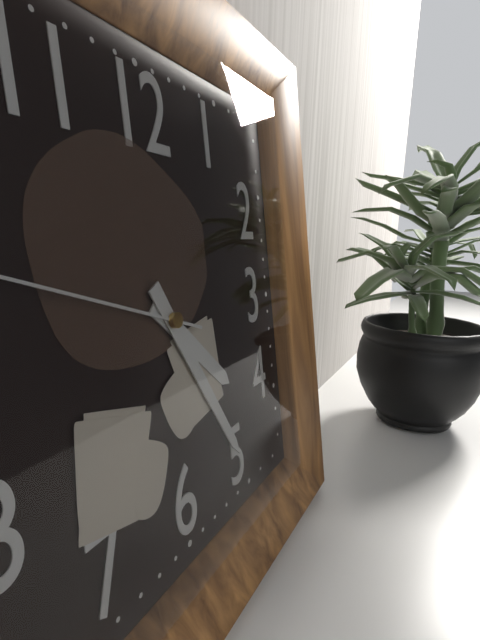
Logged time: 4,25
